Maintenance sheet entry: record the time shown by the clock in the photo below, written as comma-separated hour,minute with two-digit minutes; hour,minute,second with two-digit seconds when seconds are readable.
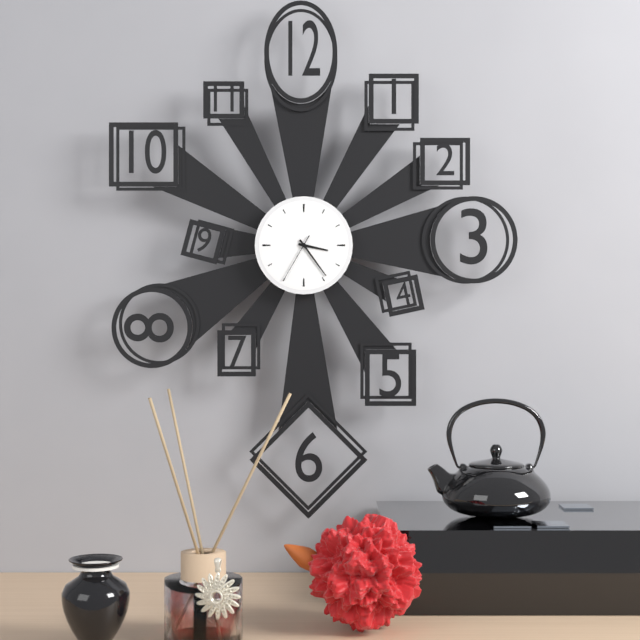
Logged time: 3,24,35
